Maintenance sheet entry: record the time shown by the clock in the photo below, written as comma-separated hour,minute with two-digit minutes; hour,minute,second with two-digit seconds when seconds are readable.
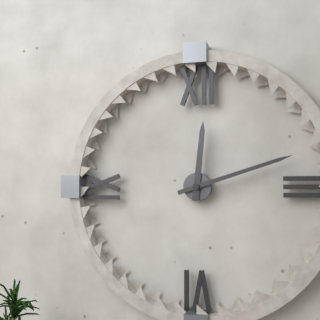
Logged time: 12,12
